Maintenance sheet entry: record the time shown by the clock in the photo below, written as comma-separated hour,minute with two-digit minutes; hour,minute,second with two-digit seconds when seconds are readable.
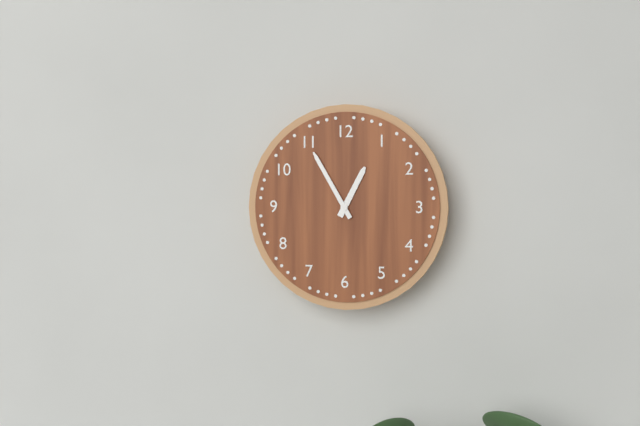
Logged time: 12,55
